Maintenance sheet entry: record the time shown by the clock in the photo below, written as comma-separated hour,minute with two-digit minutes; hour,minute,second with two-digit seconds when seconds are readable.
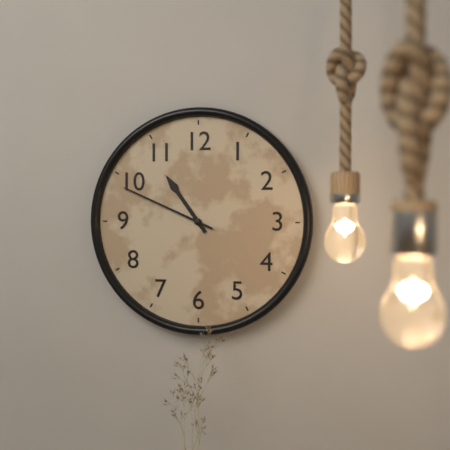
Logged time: 10,49
